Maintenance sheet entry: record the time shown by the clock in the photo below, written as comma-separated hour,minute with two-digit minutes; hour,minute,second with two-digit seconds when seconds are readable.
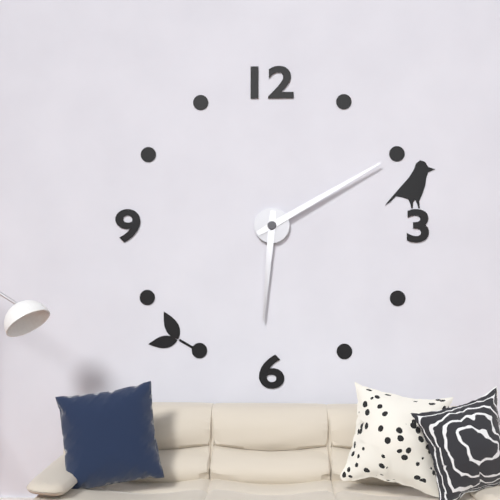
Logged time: 6,10
